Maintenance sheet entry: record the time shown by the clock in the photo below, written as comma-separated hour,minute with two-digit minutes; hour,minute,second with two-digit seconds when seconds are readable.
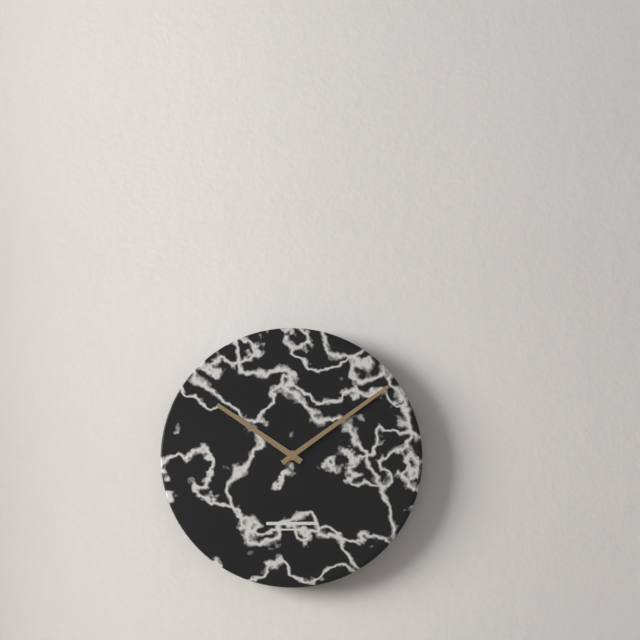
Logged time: 10,09
